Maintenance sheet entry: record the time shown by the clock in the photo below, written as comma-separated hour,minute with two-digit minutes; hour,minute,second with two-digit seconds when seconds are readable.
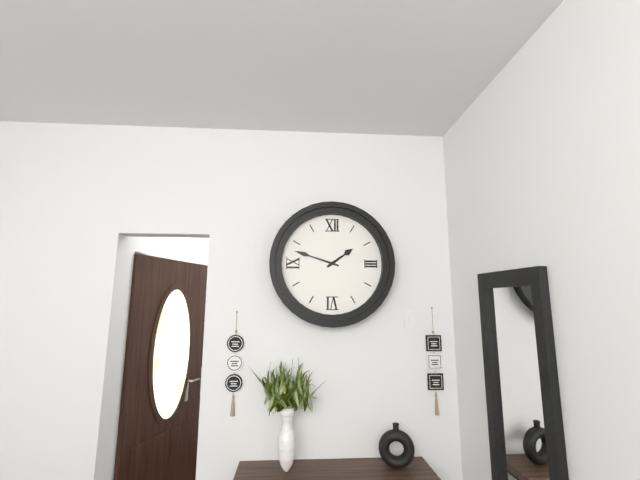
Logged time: 1,48
